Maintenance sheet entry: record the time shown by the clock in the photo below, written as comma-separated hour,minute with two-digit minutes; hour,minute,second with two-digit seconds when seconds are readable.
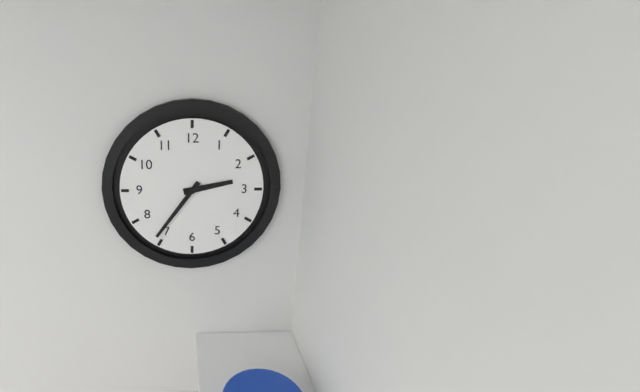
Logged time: 2,36
